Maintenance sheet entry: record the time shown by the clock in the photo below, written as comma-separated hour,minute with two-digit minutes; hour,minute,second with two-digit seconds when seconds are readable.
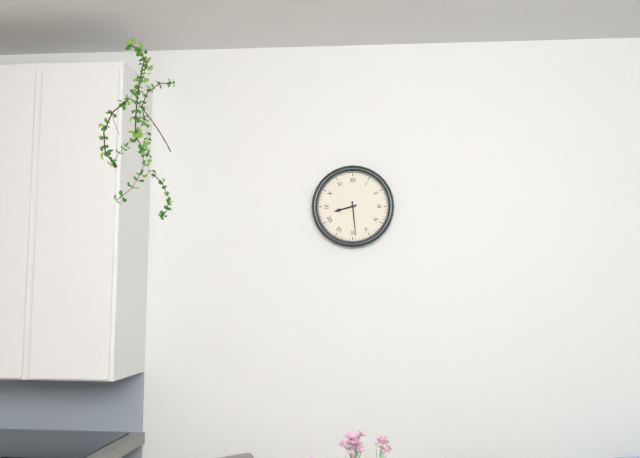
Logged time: 8,29
